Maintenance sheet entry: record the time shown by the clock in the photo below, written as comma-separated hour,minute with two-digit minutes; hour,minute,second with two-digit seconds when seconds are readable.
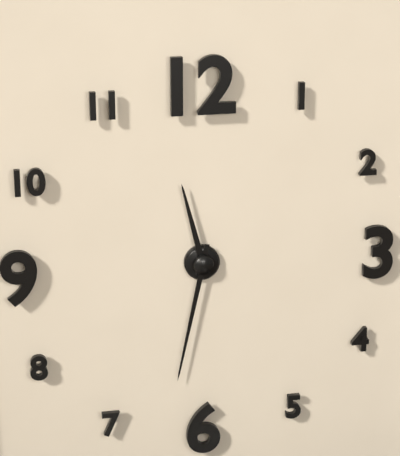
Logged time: 11,32
